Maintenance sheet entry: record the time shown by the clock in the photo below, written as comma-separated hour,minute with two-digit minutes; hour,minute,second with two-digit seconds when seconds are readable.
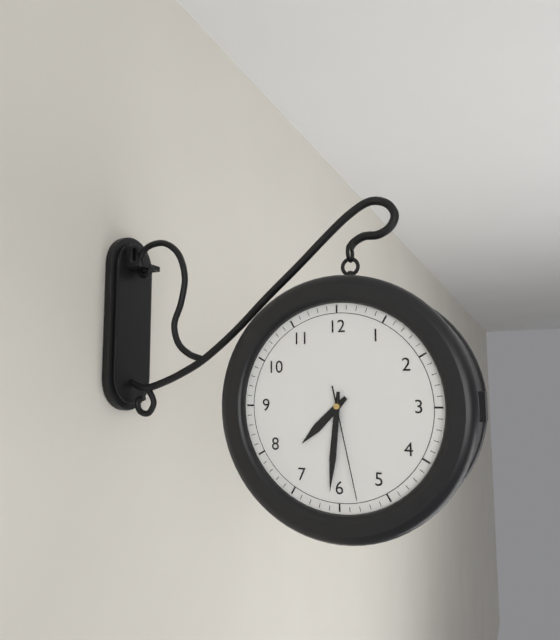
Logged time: 7,31,28
